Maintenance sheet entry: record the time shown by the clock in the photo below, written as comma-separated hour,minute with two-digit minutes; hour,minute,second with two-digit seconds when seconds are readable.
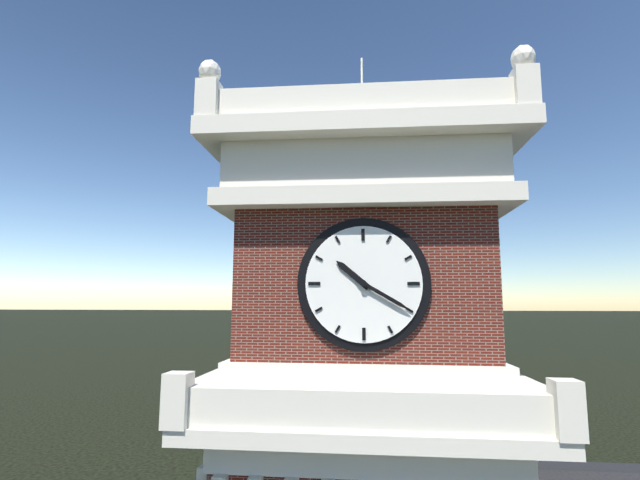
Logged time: 10,20
